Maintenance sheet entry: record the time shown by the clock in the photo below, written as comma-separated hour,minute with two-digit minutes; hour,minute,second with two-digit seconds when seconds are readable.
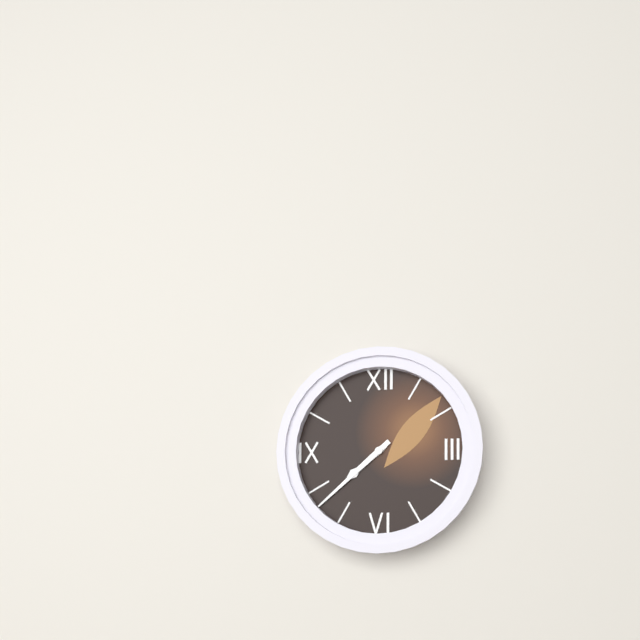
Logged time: 7,38
